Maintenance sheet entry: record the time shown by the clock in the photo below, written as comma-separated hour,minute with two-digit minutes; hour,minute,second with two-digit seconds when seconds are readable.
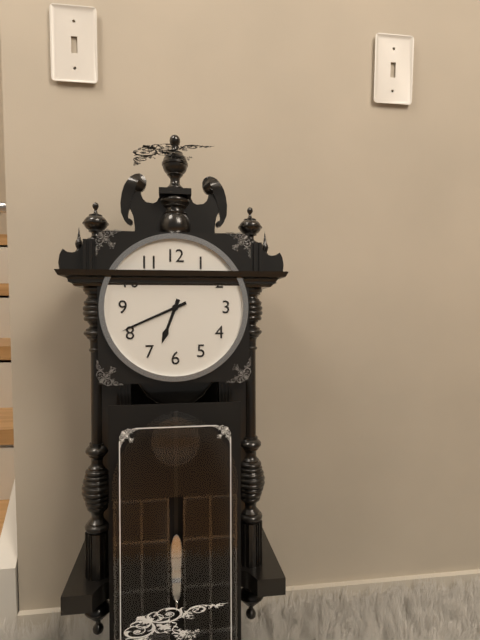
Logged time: 6,41
